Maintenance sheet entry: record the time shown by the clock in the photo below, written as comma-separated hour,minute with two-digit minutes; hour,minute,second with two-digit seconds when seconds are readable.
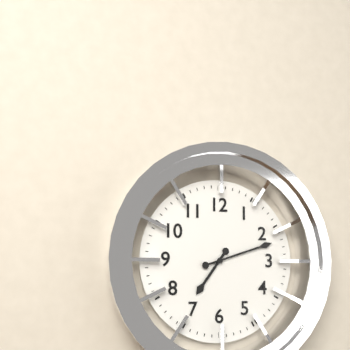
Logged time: 7,12
